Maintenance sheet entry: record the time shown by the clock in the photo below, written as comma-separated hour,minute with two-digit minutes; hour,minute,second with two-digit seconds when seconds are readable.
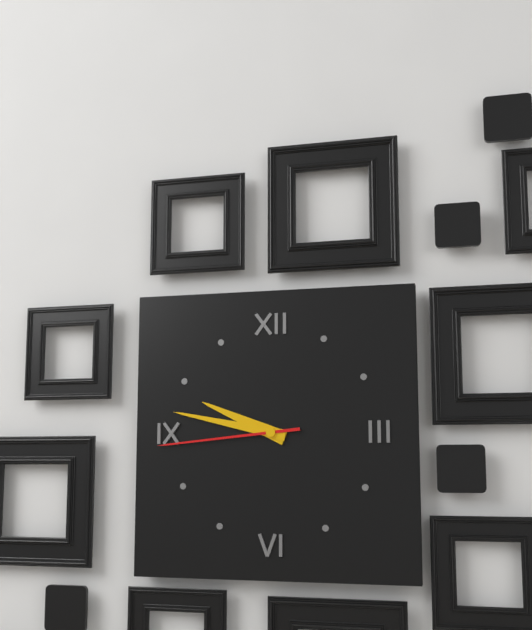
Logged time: 9,47,44
